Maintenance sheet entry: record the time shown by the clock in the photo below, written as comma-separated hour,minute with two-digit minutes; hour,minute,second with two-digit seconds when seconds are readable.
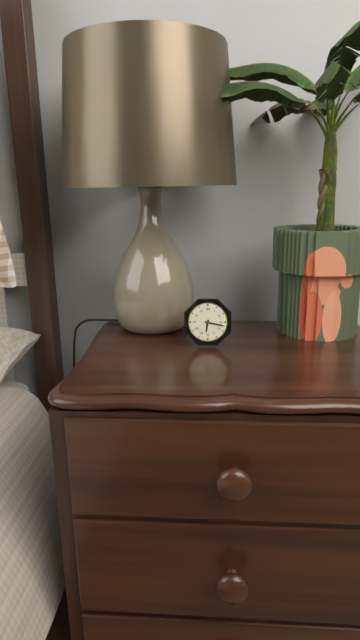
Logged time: 6,17
